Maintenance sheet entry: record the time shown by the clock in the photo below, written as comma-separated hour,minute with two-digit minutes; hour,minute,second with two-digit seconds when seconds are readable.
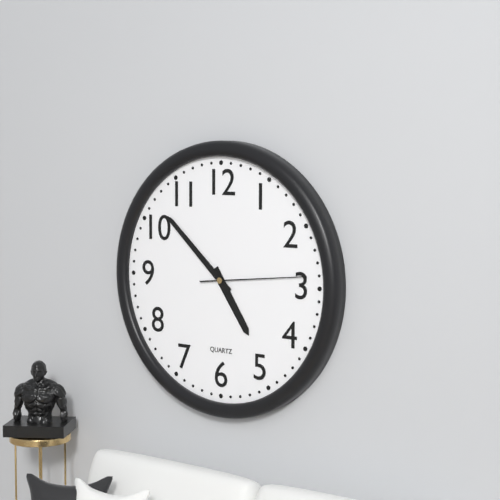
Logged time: 4,52,14
